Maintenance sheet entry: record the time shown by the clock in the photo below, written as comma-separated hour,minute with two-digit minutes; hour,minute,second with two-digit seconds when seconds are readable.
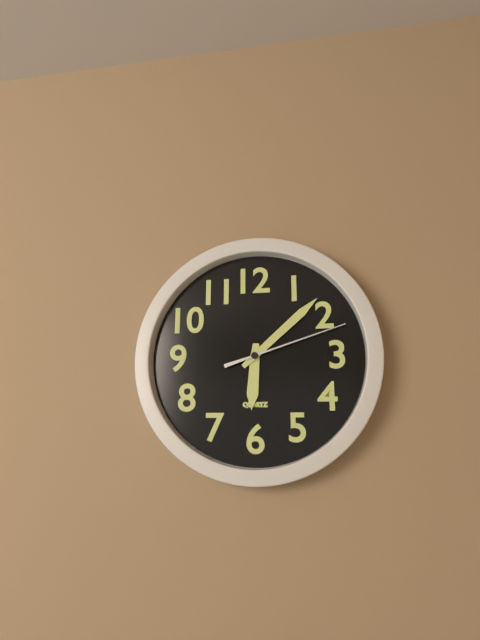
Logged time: 6,08,12
